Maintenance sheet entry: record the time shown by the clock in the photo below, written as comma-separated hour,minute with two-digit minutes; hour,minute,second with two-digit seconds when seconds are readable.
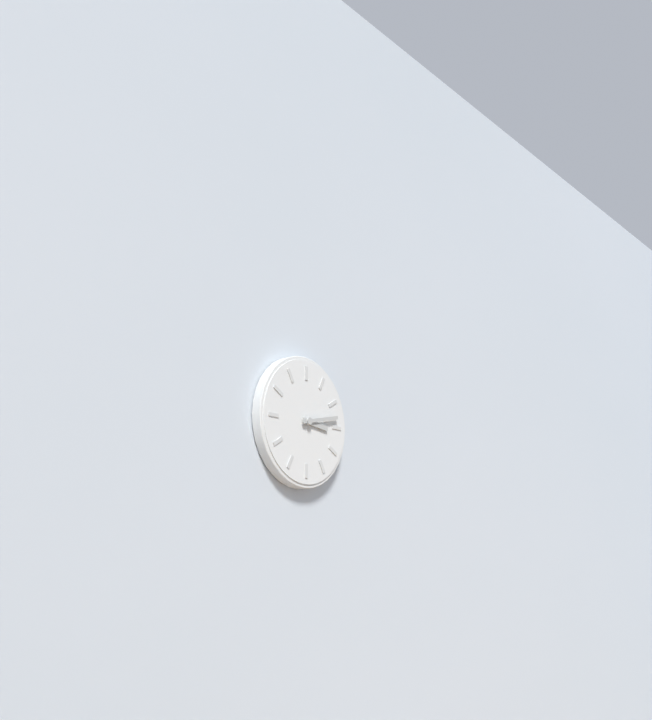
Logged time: 3,13
